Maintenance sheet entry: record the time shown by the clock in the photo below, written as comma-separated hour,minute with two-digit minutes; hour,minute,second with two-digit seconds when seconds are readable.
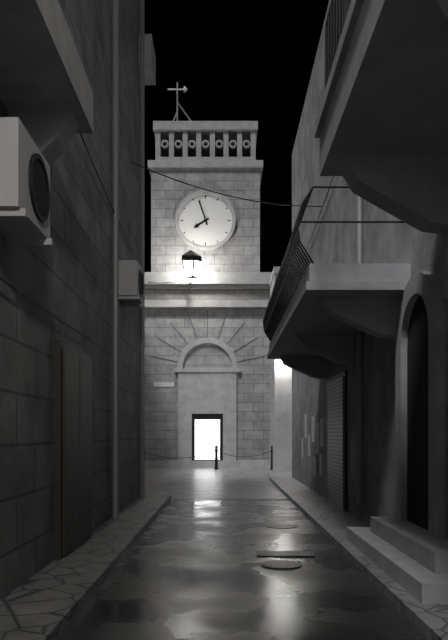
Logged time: 7,57
